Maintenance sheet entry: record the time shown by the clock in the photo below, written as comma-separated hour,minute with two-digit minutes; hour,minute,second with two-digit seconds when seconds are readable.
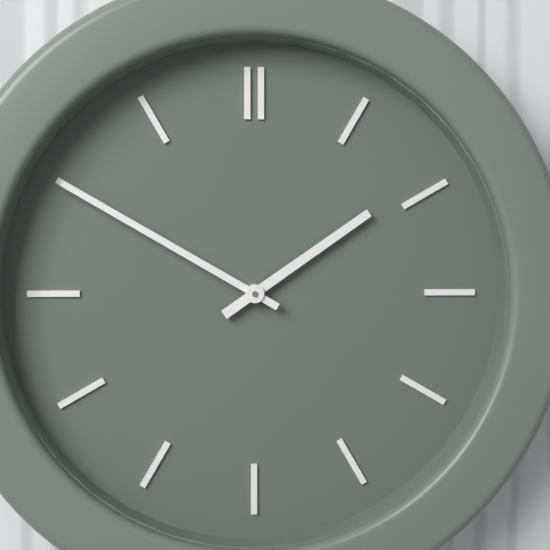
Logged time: 1,50
